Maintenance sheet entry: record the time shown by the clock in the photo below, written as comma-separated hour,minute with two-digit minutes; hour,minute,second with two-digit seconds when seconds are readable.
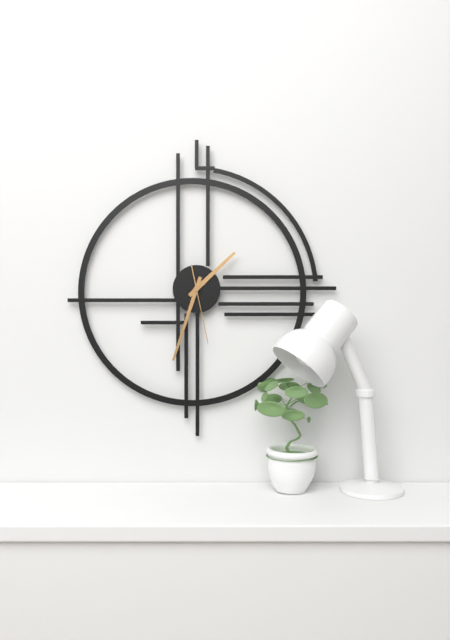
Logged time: 1,33,28
